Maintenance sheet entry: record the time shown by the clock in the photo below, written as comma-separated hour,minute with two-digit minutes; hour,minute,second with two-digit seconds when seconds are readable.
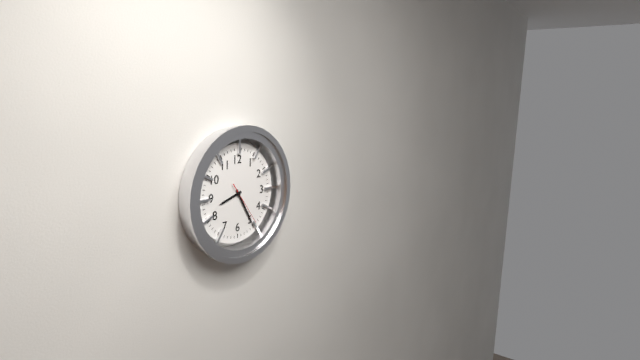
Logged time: 8,25
